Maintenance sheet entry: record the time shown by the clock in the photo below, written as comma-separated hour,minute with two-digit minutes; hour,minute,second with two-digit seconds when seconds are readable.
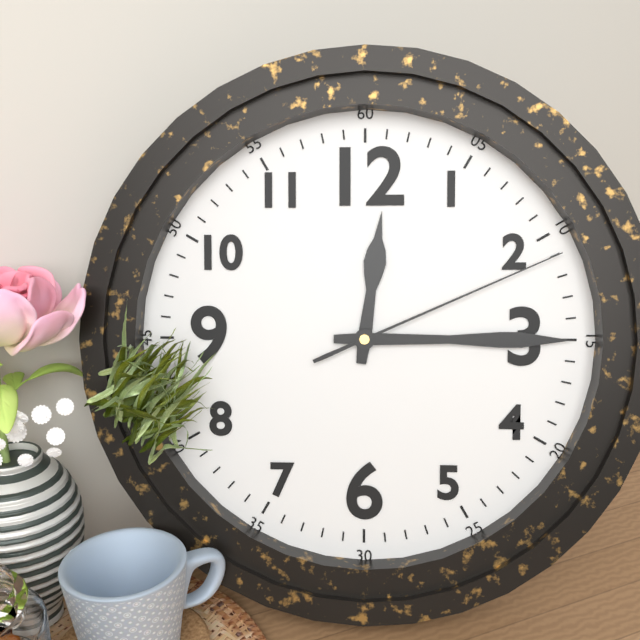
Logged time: 12,15,11
